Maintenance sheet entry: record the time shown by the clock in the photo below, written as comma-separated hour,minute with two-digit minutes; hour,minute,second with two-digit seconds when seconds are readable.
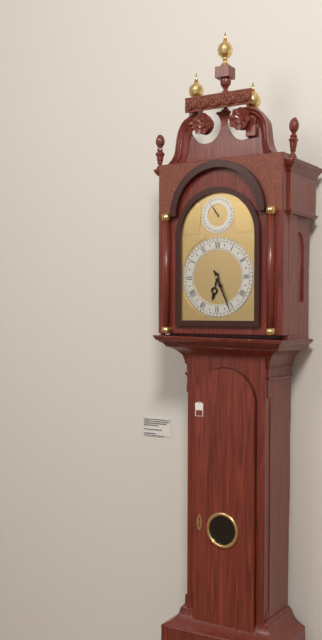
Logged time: 6,26
